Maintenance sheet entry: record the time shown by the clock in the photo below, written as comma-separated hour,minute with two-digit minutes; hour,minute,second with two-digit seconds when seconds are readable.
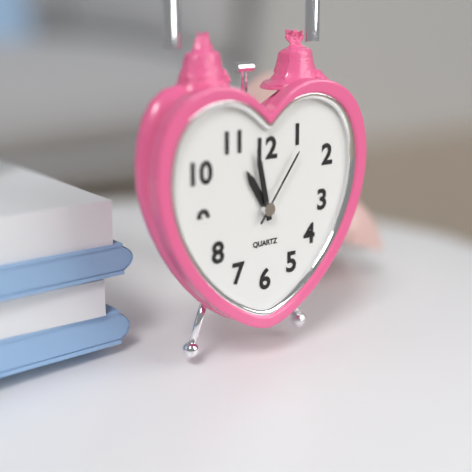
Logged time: 10,58,06
